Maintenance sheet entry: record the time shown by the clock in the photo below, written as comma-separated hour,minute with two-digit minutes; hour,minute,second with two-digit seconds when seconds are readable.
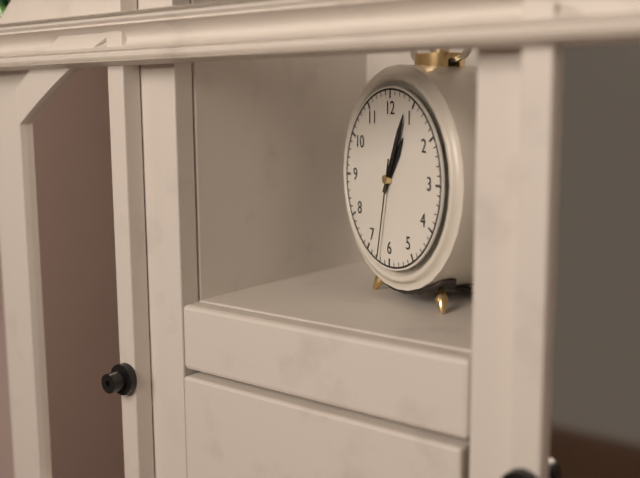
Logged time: 1,04,32
